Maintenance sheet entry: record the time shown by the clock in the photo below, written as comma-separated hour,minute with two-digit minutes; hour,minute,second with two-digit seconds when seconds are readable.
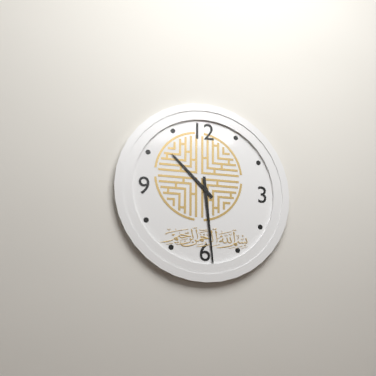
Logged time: 10,29
